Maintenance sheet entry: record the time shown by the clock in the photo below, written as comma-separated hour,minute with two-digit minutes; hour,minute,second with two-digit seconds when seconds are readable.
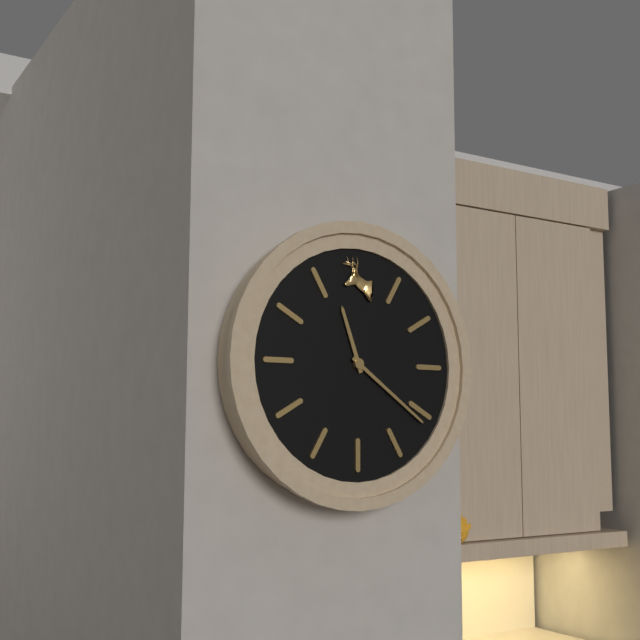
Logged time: 11,21
